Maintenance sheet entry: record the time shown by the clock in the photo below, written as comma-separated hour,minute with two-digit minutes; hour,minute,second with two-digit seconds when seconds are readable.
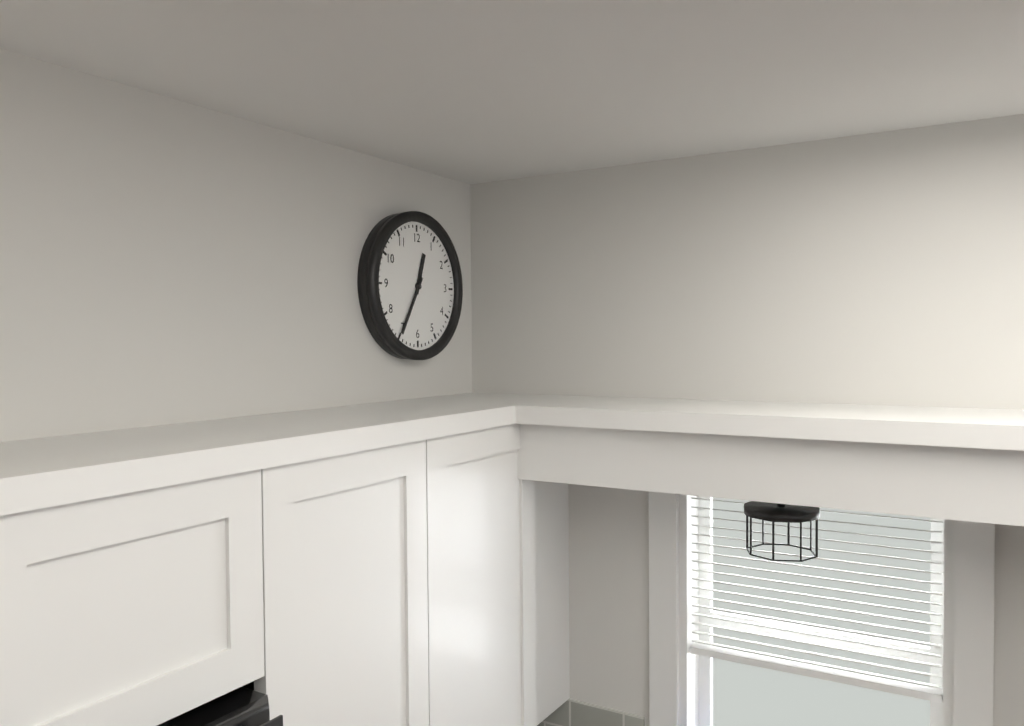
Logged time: 12,35
